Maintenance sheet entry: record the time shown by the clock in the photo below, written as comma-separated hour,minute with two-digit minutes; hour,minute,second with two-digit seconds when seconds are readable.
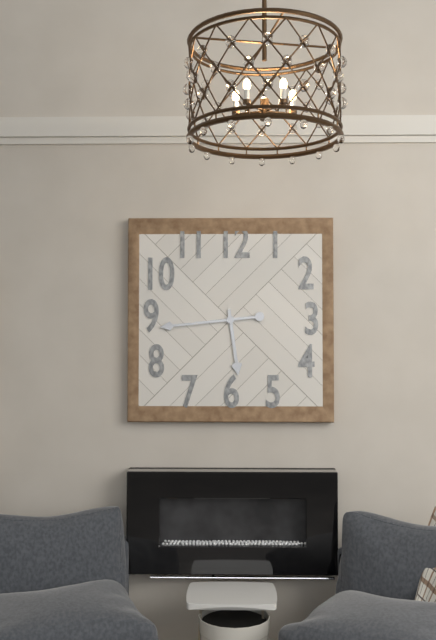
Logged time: 5,44
